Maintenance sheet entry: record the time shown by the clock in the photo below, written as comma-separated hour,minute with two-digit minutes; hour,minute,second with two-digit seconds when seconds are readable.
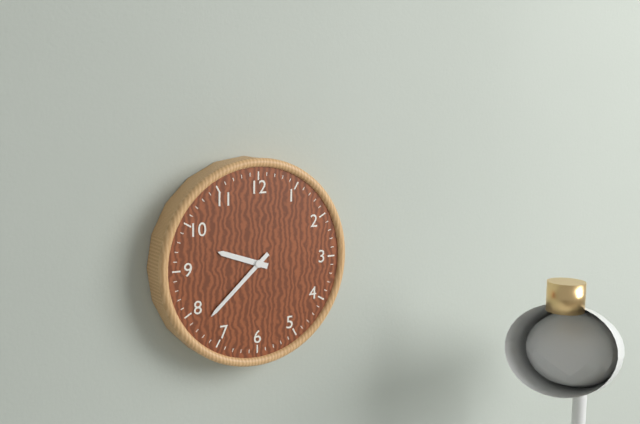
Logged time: 9,38
